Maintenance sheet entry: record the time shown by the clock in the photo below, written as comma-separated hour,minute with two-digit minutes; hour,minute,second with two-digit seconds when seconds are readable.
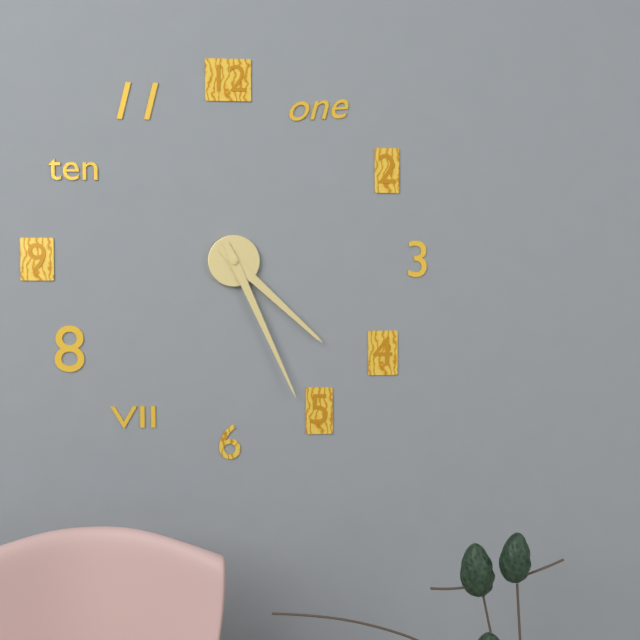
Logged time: 4,26
